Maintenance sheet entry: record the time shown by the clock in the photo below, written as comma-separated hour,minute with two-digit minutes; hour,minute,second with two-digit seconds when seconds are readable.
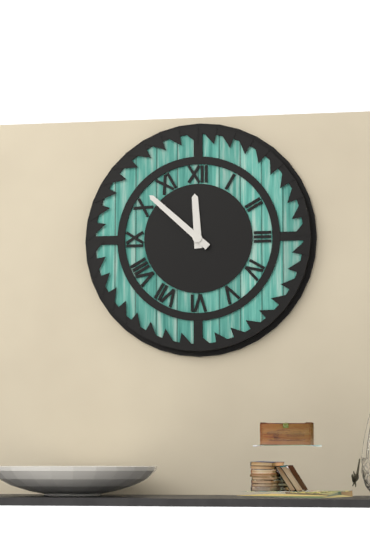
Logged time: 11,52
